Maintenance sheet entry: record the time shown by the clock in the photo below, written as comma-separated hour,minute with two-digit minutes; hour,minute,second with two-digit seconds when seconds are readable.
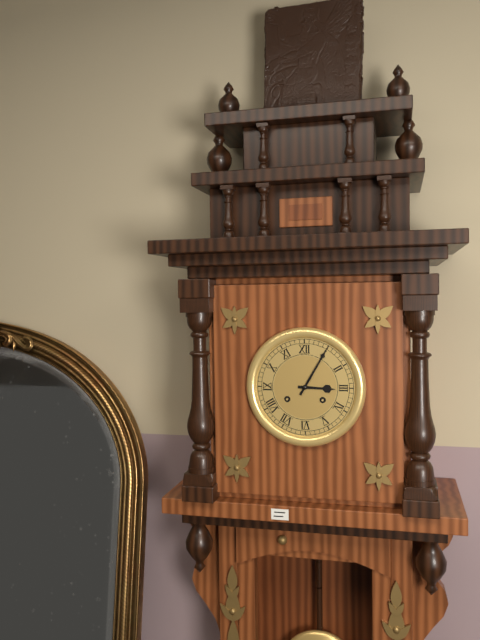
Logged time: 3,05
